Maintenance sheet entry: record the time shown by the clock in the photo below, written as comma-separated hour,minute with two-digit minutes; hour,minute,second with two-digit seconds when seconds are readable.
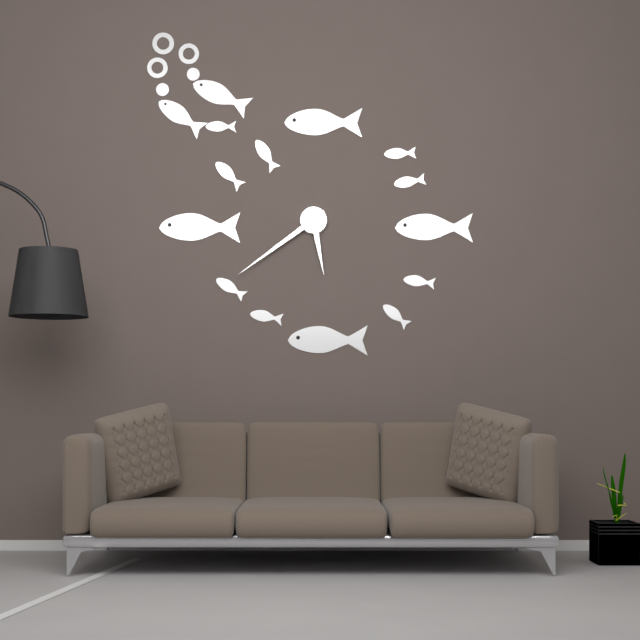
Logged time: 5,39
